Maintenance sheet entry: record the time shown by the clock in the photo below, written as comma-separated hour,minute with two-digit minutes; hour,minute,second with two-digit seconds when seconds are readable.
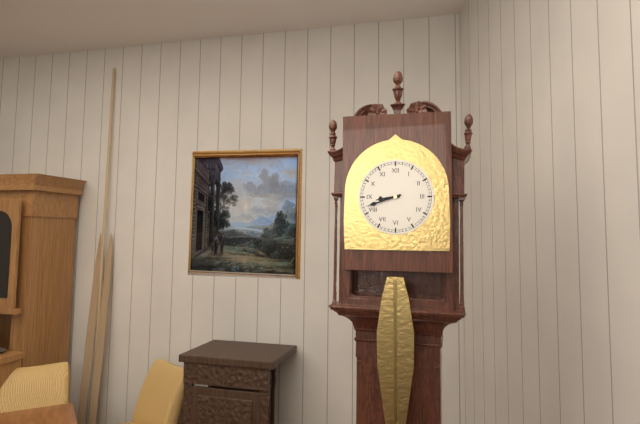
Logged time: 8,42
